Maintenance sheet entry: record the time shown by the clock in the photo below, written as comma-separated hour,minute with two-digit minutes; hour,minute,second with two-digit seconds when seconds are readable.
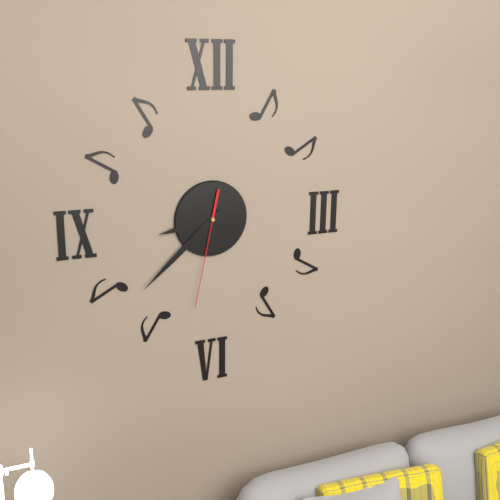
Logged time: 8,38,32
